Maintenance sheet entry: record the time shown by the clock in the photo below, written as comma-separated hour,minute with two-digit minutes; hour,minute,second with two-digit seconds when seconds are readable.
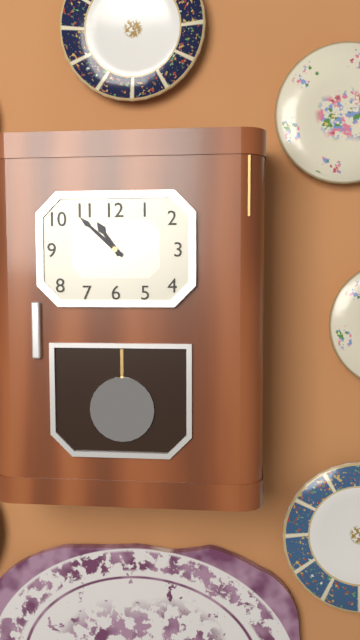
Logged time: 10,52
